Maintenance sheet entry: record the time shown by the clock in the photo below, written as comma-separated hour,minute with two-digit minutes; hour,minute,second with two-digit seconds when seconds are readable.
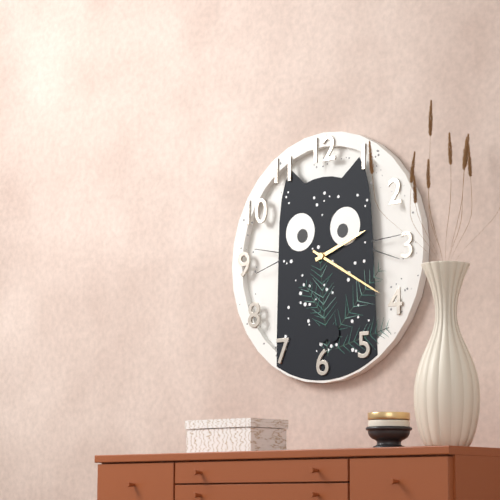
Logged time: 2,20
